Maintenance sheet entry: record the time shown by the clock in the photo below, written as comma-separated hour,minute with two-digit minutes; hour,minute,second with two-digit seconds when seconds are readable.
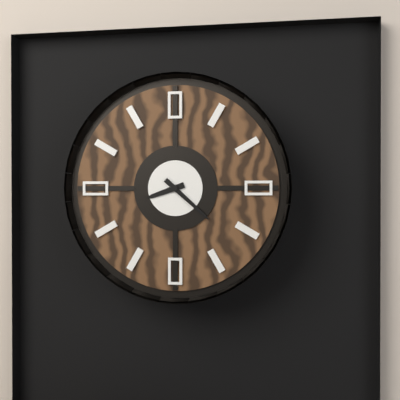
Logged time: 8,22
